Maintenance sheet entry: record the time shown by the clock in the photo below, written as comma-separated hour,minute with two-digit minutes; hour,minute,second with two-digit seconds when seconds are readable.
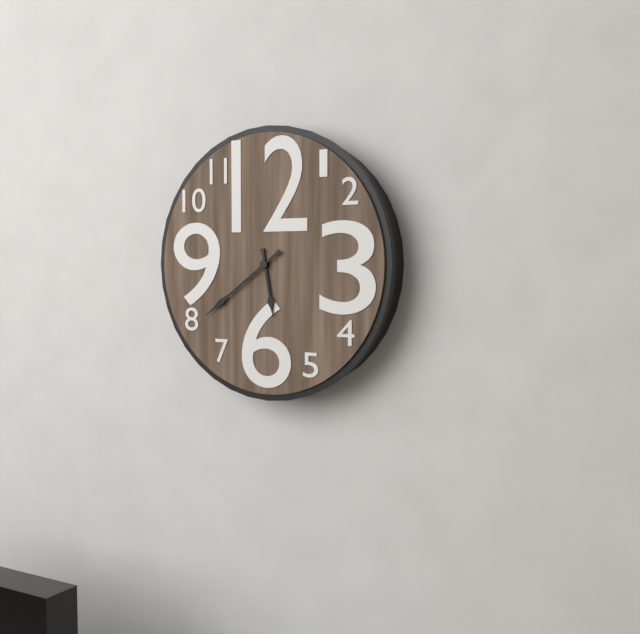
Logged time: 5,39
